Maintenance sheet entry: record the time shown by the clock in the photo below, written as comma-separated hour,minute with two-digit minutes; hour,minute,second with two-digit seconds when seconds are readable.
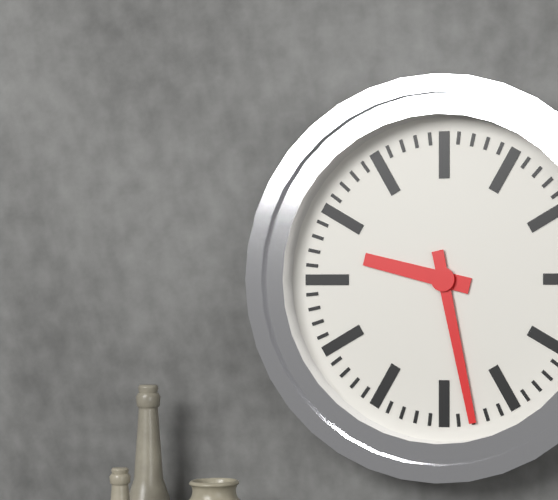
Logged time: 9,28
